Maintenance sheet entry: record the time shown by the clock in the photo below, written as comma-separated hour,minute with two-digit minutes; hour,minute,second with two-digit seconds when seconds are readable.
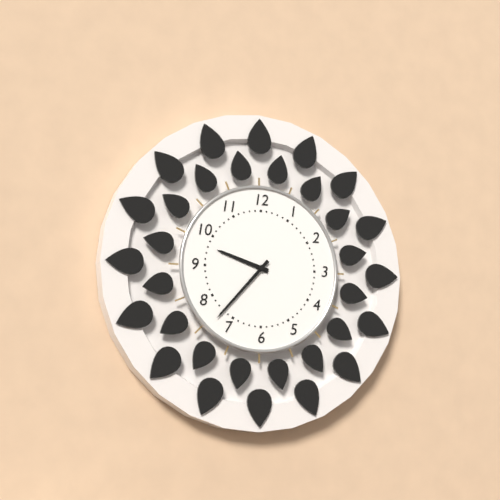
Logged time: 9,37
